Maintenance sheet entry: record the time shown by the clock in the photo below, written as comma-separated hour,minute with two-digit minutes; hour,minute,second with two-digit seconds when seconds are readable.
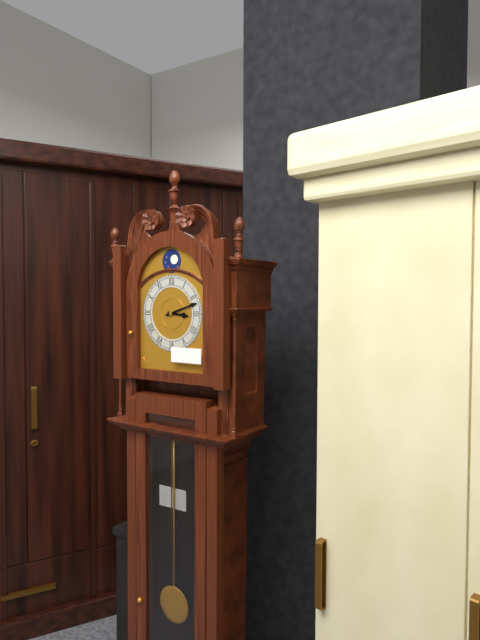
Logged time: 3,12
